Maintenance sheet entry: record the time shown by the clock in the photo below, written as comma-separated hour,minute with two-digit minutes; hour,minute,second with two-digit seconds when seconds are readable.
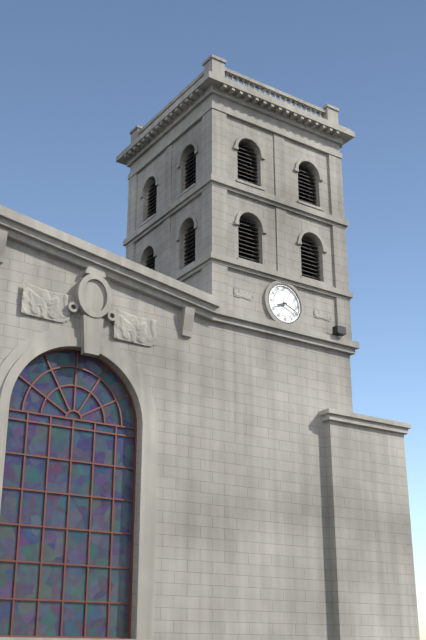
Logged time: 8,19
